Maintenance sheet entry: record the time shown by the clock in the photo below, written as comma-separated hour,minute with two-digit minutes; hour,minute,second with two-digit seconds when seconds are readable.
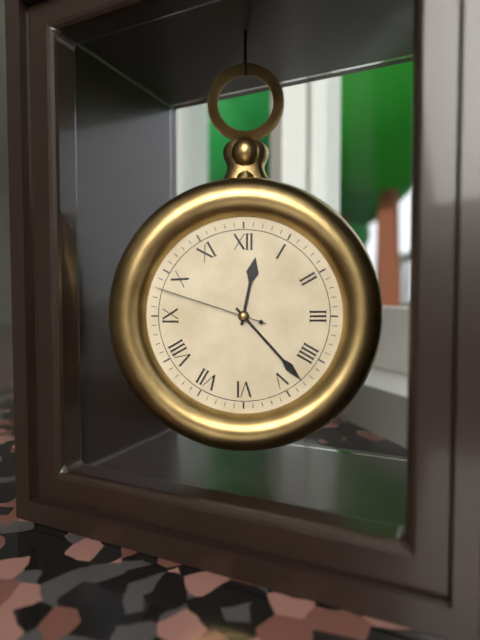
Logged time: 12,23,48
